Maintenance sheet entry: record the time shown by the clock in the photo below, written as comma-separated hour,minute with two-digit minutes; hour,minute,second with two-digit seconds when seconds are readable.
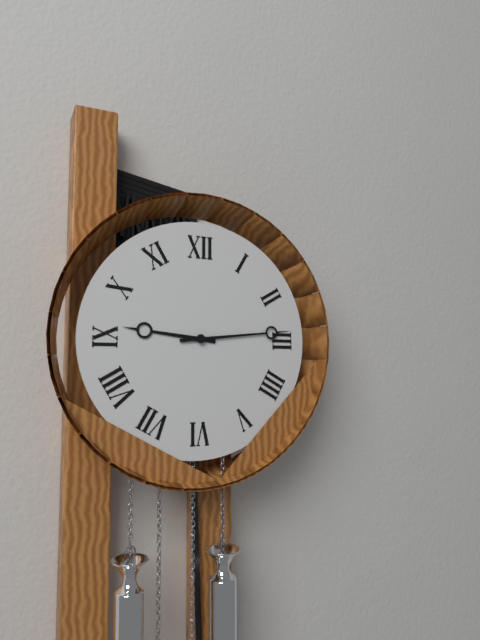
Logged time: 9,14
